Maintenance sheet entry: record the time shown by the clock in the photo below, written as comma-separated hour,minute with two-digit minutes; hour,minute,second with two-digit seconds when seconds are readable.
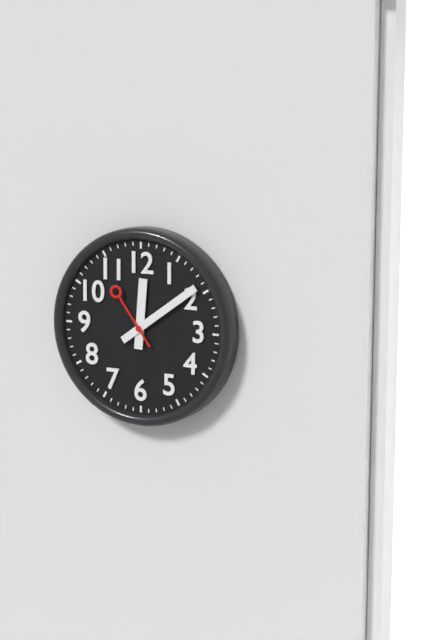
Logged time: 12,09,54
